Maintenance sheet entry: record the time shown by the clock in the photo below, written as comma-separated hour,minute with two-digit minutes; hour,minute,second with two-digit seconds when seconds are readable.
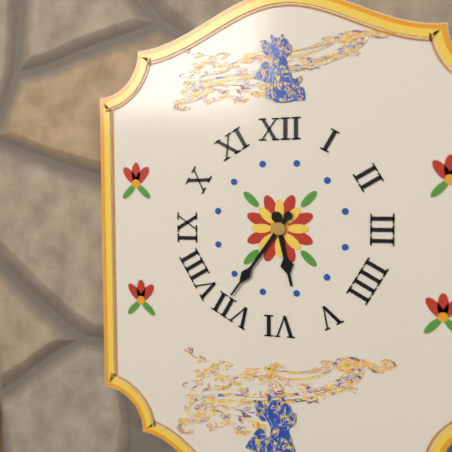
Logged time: 5,36
